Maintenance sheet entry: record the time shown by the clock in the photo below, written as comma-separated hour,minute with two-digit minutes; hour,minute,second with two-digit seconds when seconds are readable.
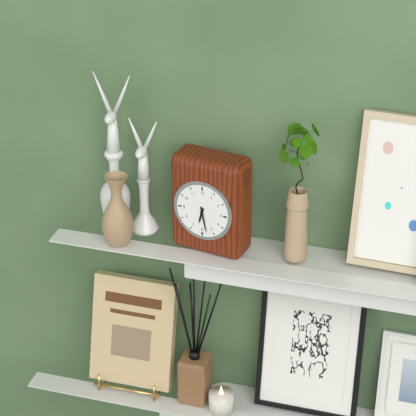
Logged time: 6,28
